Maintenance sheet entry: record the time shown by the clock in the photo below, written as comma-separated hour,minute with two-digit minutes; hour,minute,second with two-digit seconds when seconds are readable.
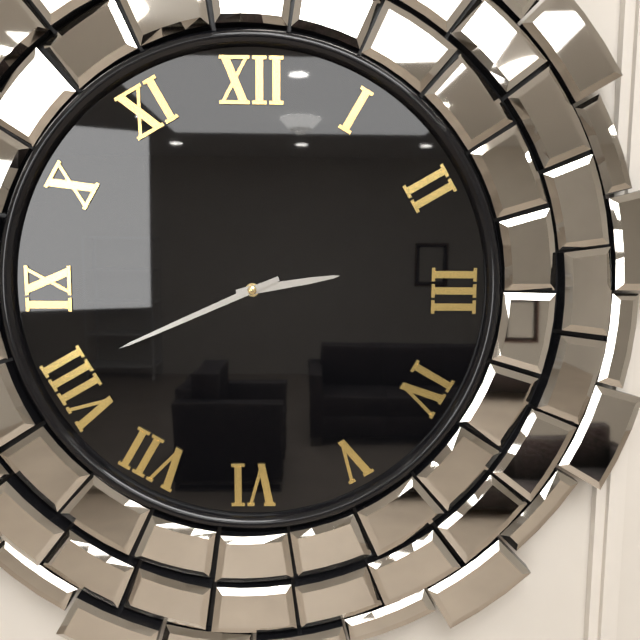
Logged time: 2,41
